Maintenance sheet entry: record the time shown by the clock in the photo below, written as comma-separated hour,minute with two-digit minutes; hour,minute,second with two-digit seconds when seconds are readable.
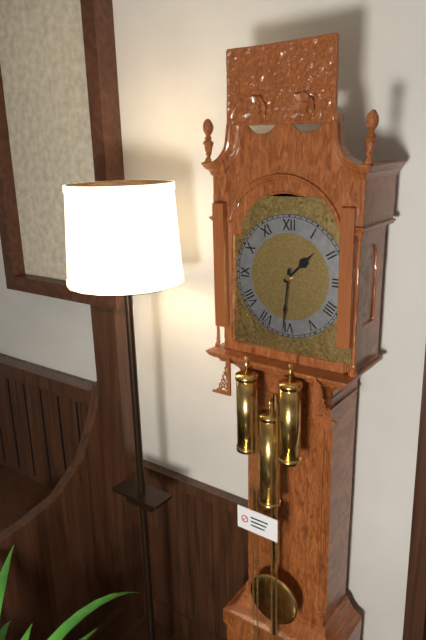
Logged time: 1,31
